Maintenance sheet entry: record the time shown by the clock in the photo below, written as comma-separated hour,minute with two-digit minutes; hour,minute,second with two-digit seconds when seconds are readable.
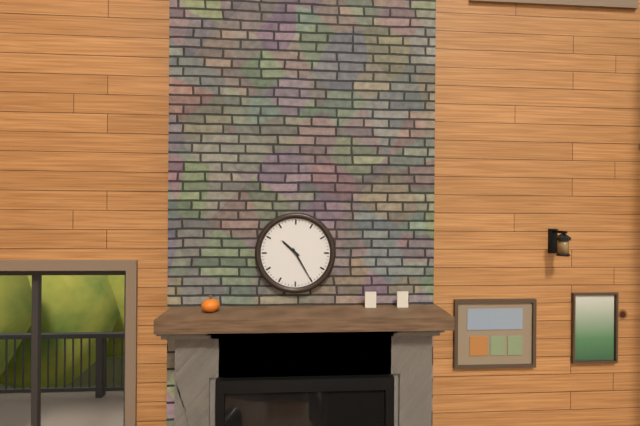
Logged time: 10,25
